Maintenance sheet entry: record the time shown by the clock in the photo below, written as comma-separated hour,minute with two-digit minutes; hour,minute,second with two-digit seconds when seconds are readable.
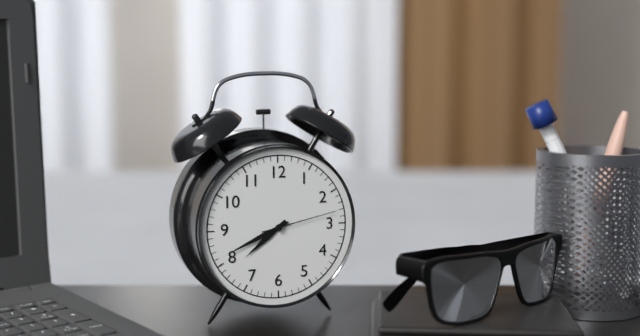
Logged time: 7,41,13
